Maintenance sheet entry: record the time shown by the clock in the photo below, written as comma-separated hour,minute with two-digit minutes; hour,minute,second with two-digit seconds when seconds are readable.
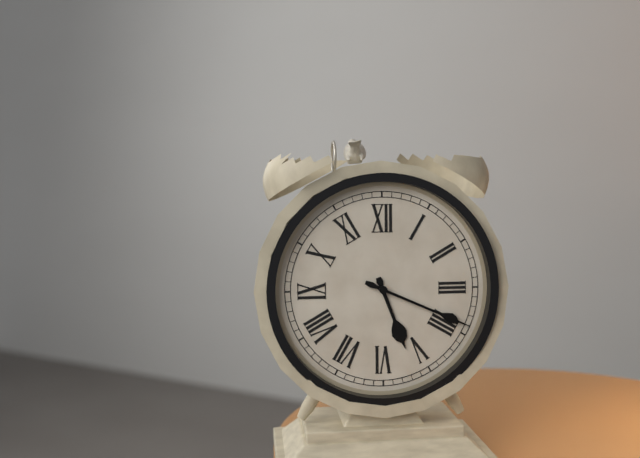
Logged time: 5,19
